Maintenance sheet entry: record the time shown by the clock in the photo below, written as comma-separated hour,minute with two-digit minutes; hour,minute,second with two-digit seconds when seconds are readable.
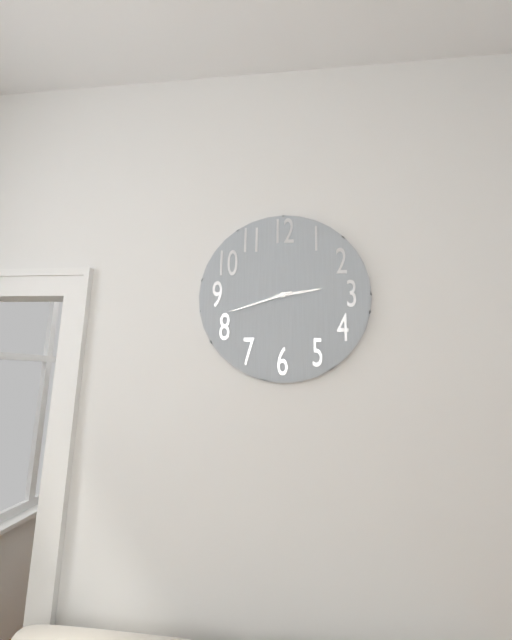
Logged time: 2,42
